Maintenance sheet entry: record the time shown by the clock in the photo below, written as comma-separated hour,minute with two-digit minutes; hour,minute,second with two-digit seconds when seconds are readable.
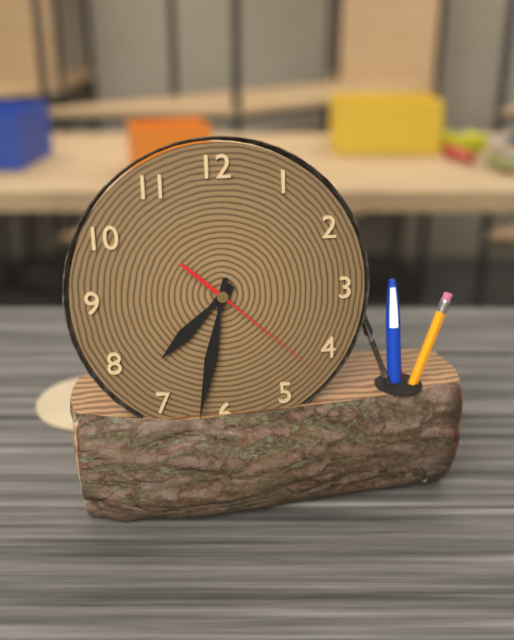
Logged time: 7,32,22
